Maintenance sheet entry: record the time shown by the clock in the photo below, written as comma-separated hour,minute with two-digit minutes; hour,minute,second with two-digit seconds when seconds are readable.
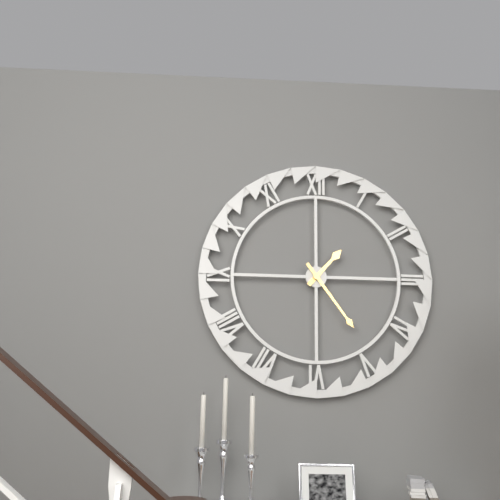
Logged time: 1,24
